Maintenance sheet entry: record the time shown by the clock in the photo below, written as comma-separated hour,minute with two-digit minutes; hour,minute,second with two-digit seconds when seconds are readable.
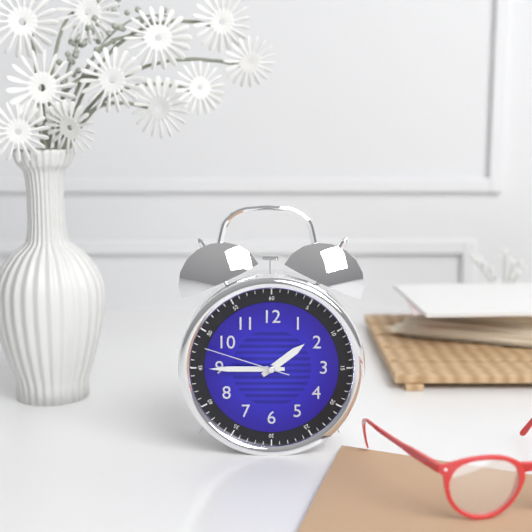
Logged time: 1,45,48
